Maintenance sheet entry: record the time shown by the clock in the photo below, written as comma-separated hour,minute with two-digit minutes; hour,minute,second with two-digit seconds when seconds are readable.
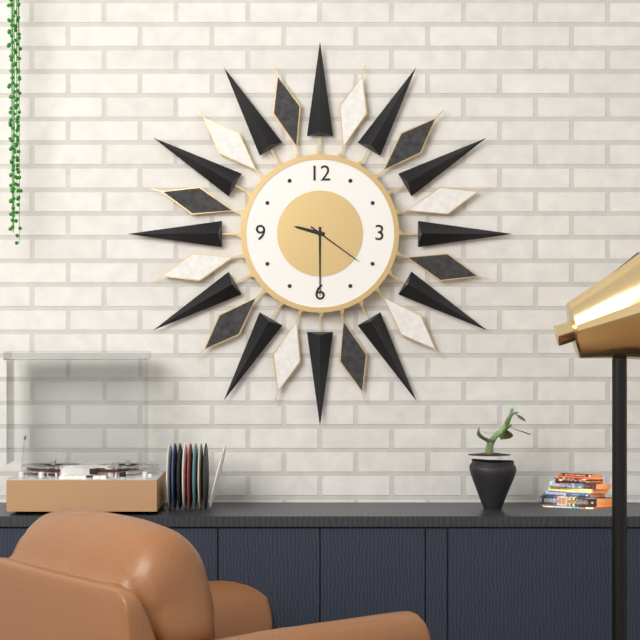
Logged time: 9,30,21
